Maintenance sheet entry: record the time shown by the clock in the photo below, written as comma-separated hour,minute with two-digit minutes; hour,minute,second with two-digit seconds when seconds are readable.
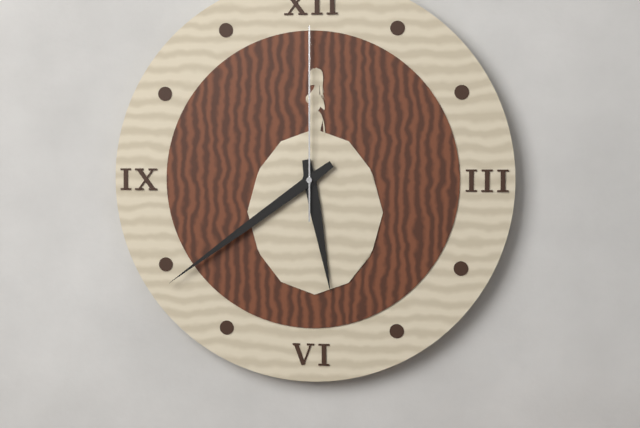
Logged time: 5,39,00
